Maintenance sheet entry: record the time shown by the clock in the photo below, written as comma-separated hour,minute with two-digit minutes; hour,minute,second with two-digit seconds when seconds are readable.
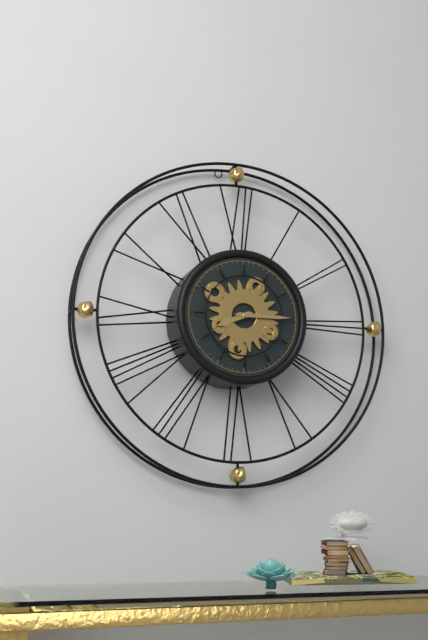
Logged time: 8,15
